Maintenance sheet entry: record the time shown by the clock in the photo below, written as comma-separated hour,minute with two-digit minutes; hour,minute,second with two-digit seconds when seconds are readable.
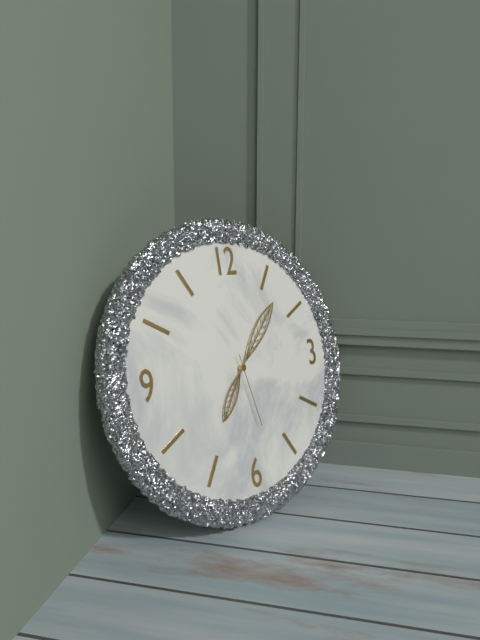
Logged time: 7,07,28
